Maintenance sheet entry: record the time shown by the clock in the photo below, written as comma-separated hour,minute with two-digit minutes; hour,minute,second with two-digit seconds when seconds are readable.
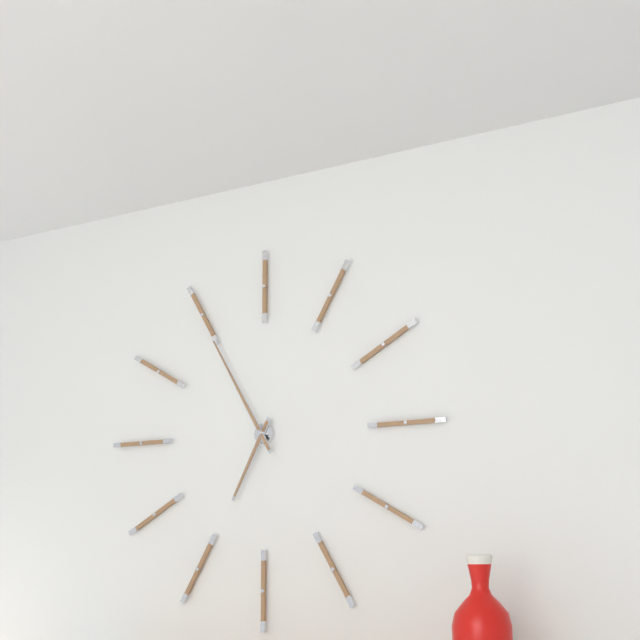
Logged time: 6,55
